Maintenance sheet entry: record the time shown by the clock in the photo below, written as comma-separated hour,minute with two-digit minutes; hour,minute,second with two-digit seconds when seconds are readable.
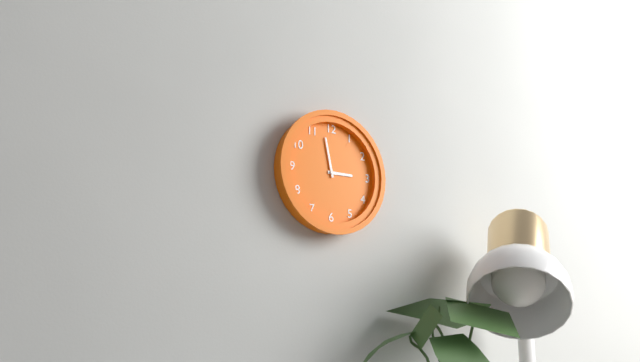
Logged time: 2,58
